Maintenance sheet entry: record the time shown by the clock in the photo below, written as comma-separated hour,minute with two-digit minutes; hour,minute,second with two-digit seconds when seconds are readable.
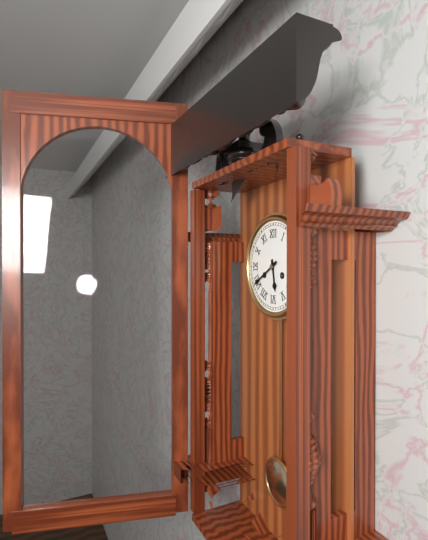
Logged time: 5,40
